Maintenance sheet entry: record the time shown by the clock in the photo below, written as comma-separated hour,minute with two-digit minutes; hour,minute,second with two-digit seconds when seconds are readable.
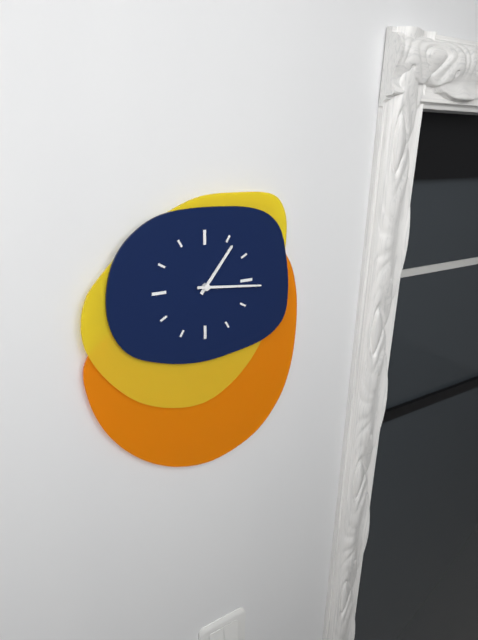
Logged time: 1,16
